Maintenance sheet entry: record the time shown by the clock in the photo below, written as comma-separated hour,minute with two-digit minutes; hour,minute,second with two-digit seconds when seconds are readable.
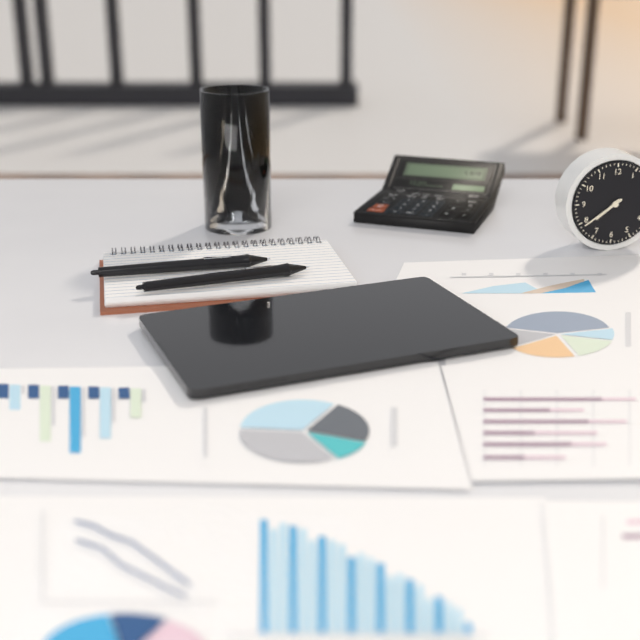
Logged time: 7,39
